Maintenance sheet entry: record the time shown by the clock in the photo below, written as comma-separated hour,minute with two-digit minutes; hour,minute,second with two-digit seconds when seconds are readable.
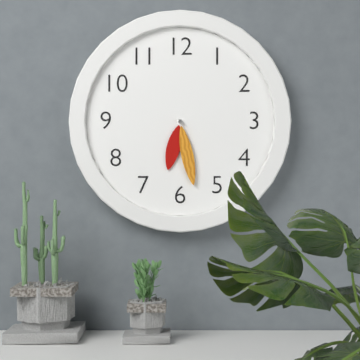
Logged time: 6,28
